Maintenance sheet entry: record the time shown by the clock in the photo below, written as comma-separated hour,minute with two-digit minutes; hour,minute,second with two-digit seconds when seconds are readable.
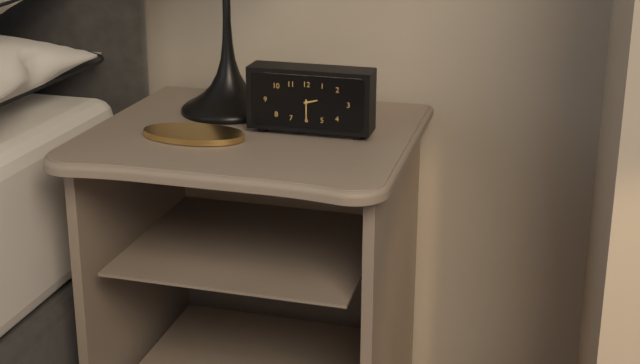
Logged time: 2,30
